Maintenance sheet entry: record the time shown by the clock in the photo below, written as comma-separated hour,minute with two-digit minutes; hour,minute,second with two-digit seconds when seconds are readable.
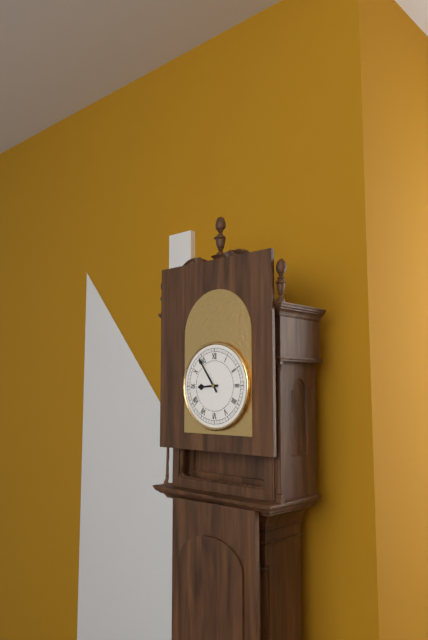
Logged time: 8,54
